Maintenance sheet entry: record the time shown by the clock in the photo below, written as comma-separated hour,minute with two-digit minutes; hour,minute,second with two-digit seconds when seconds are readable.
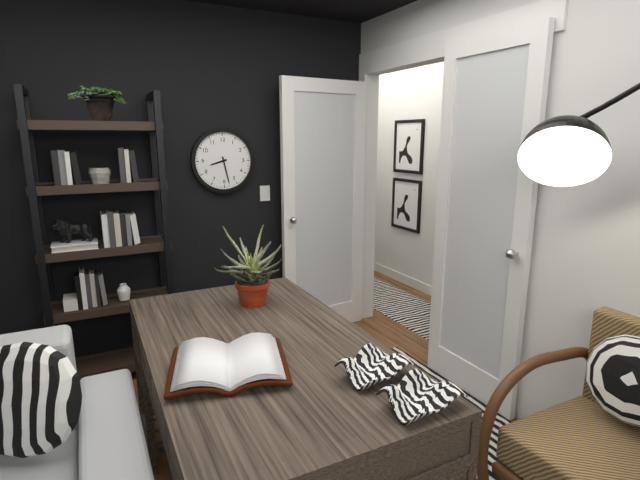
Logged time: 8,28
